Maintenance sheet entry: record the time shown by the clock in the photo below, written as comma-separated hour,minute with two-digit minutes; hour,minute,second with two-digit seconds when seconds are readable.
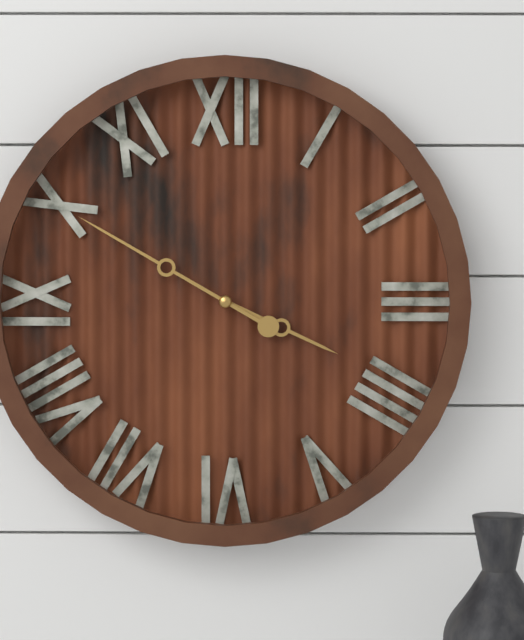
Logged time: 3,50
